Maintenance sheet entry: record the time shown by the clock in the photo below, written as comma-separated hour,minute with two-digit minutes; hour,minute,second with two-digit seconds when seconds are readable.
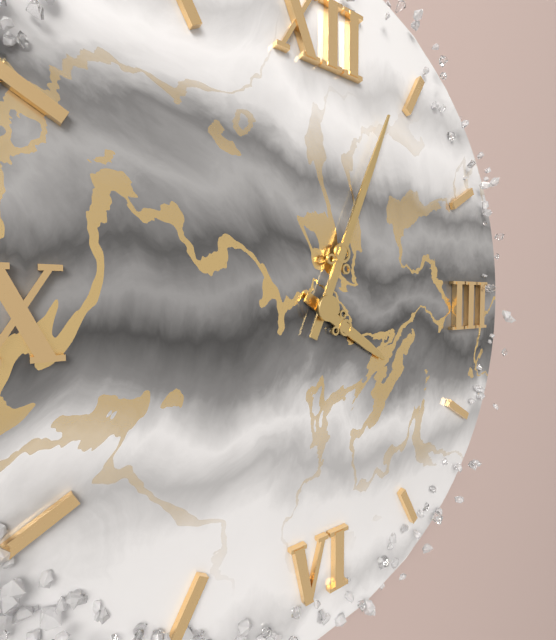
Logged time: 4,04
